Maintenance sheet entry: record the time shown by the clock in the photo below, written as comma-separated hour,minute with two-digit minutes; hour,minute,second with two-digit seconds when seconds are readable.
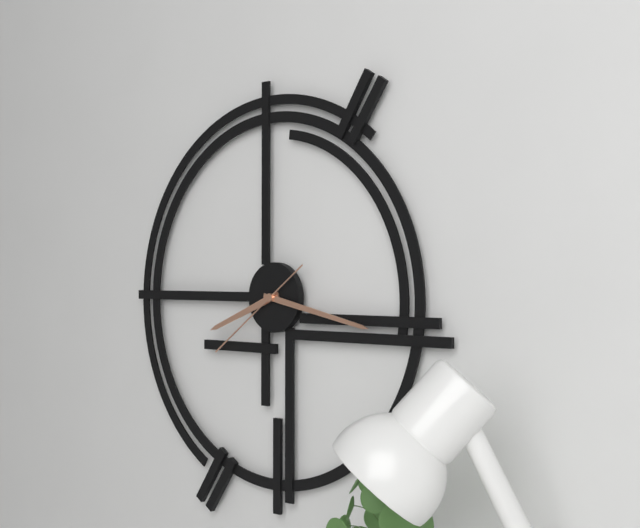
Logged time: 8,17,39
